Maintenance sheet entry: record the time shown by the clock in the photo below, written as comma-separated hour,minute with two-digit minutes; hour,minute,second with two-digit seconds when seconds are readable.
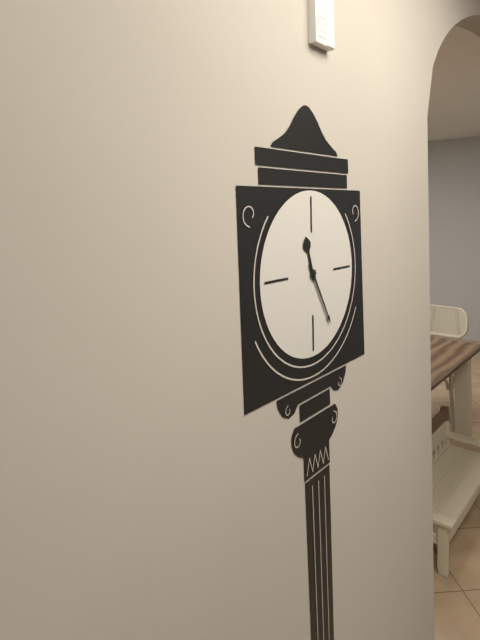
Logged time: 11,25
